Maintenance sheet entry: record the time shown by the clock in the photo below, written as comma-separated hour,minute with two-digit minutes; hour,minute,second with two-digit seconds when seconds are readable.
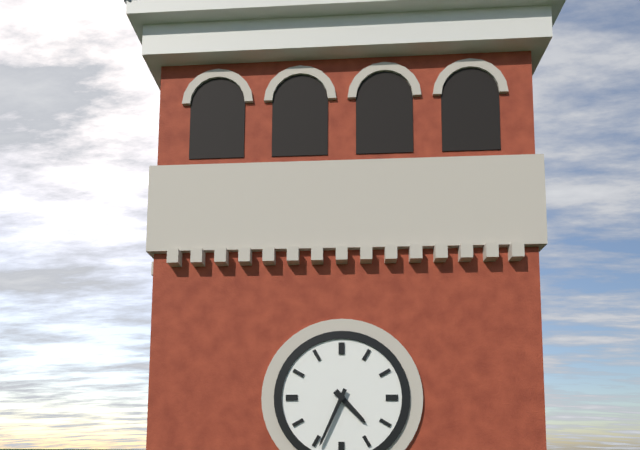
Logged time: 4,34
